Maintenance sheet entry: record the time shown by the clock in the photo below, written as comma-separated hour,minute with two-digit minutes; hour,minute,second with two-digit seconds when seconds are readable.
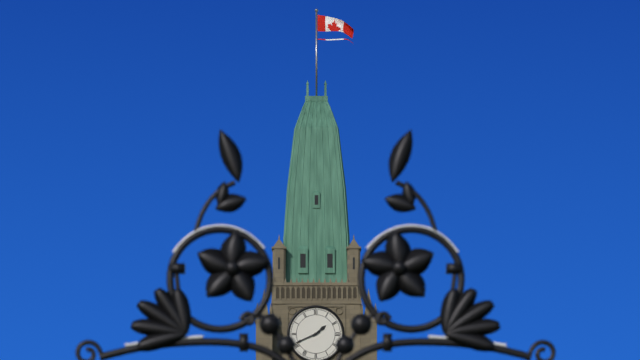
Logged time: 1,41
